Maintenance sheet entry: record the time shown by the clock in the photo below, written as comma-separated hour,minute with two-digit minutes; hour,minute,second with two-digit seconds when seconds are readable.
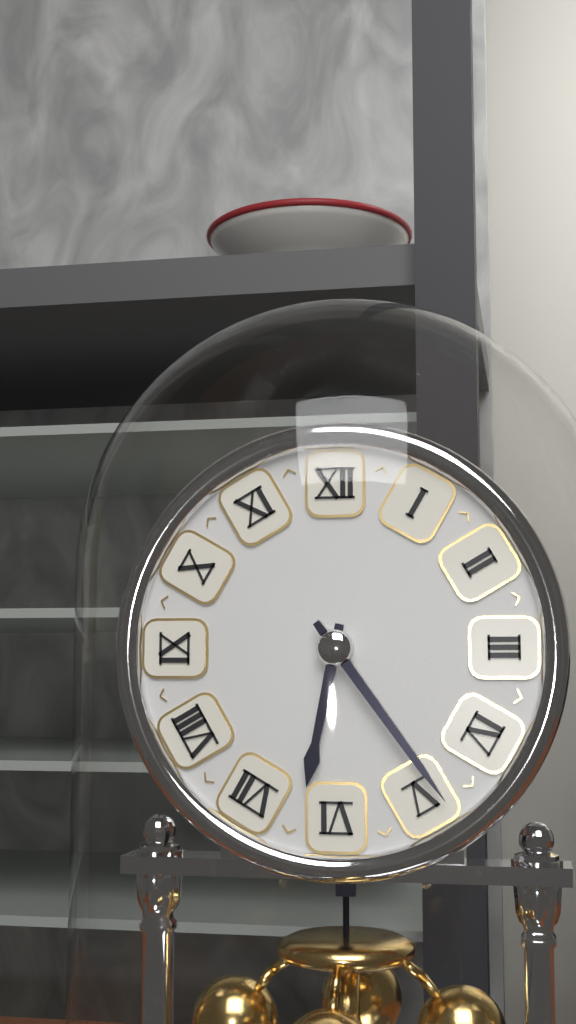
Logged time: 6,24
